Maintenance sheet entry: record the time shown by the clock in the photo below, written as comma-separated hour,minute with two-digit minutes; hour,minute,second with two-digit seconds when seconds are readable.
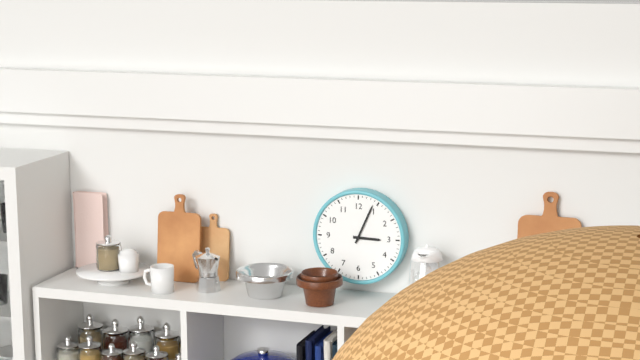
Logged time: 3,04
